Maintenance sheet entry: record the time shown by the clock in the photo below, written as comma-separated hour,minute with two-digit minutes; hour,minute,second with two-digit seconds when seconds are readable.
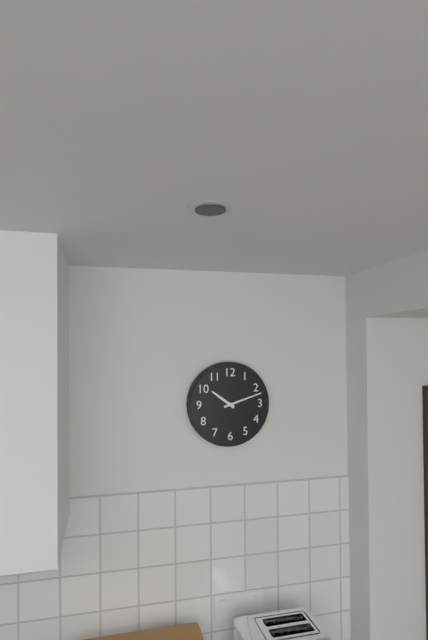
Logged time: 10,12
